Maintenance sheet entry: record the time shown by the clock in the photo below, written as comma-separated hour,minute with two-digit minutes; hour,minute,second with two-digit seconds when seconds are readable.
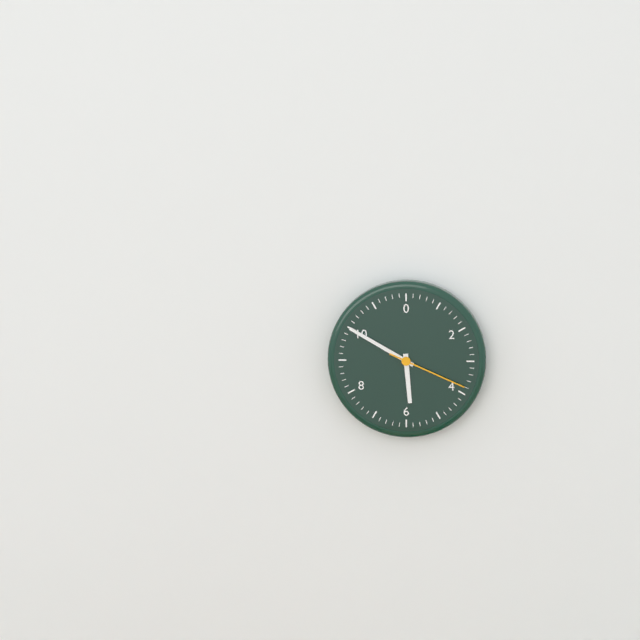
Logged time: 5,50,19
